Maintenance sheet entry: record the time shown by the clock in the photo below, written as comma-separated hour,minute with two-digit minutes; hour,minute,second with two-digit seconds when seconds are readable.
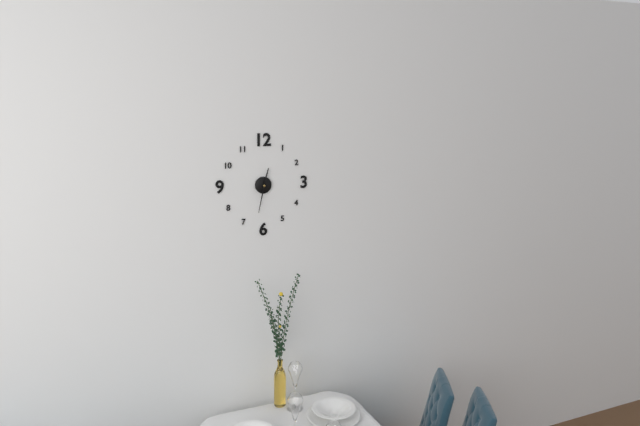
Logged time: 12,32
